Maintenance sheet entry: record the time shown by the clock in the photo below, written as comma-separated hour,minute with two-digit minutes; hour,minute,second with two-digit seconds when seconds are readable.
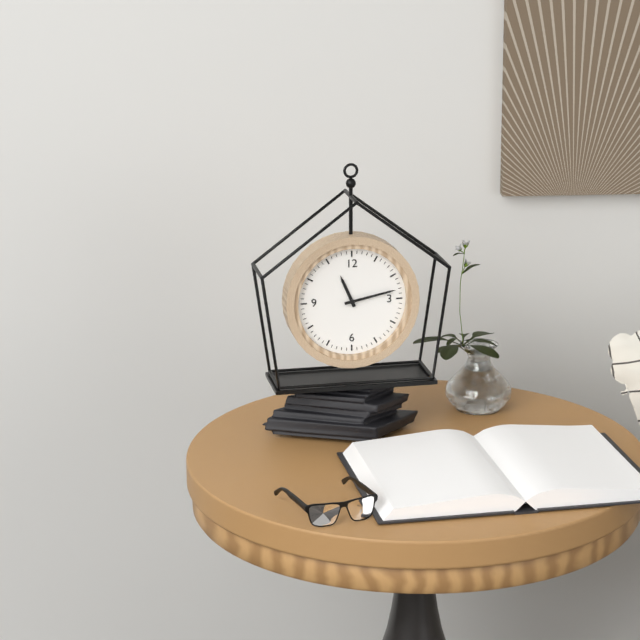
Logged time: 11,13
